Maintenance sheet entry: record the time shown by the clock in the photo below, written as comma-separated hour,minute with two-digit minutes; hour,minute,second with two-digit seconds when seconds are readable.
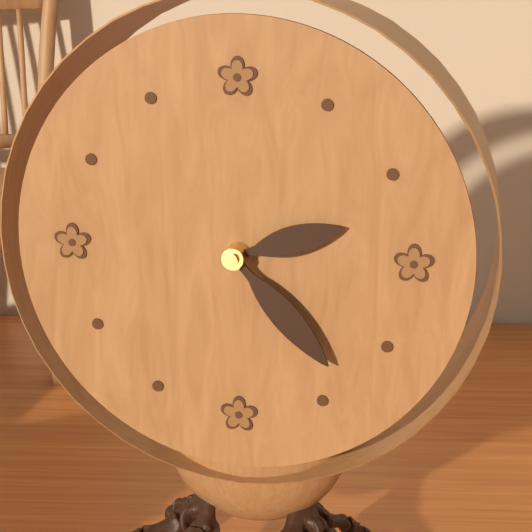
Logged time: 2,23
